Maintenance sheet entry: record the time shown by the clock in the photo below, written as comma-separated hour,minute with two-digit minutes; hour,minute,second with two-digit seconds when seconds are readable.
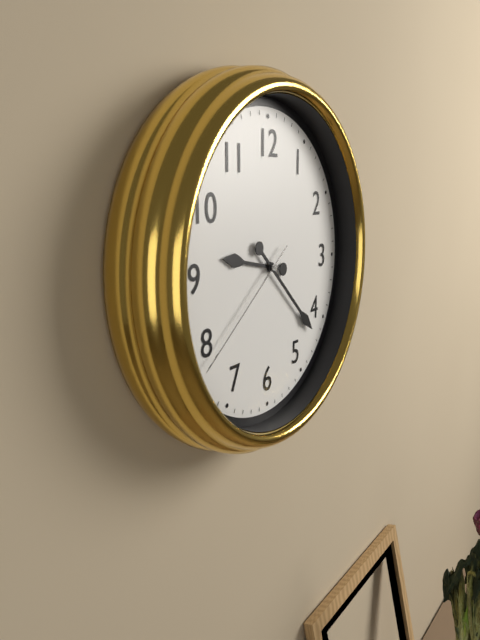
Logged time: 9,22,39
